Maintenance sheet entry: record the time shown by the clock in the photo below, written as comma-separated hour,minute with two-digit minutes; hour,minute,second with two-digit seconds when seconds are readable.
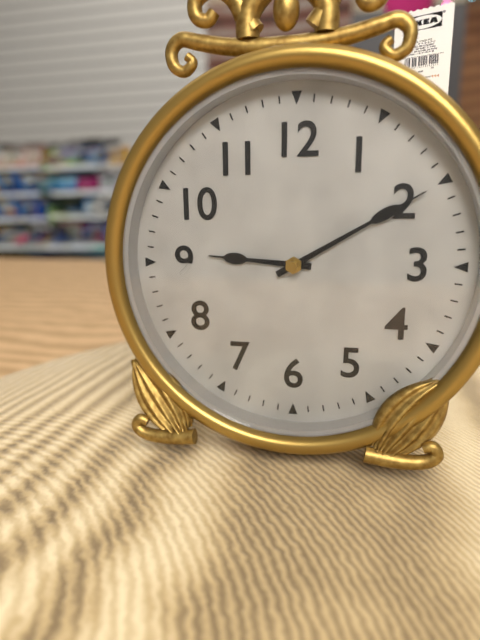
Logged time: 9,10
